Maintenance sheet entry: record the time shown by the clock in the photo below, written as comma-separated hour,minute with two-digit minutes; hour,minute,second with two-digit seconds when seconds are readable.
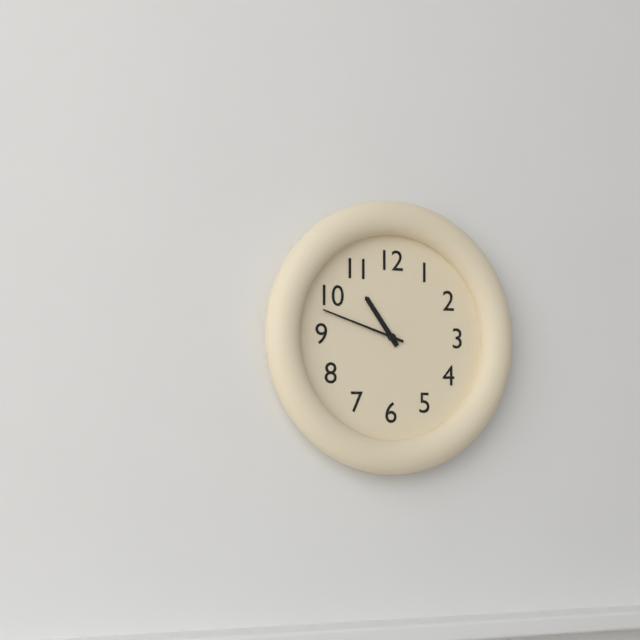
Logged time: 10,48
